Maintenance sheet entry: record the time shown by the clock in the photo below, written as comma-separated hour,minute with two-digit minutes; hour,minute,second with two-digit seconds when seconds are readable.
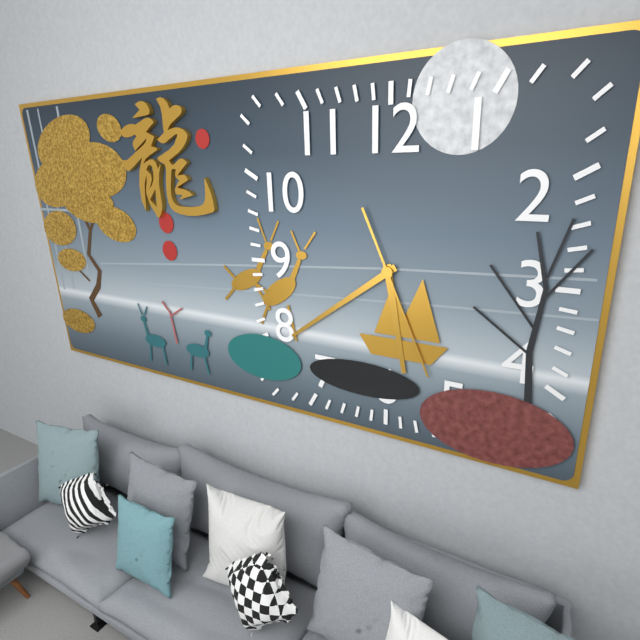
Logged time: 5,39,26
